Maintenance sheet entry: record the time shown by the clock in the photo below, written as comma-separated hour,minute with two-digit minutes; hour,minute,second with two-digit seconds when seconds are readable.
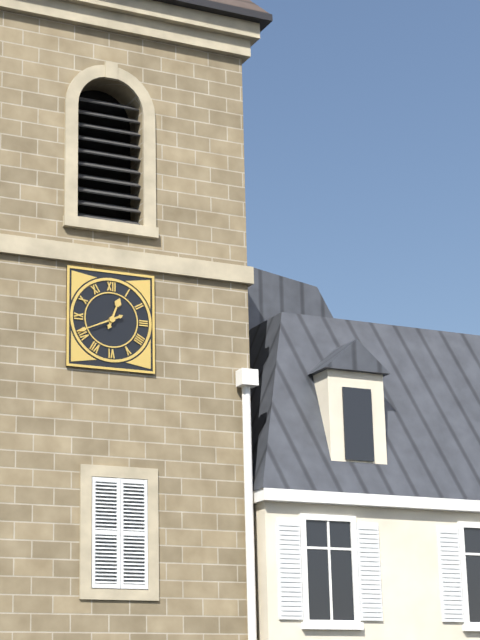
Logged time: 12,41
